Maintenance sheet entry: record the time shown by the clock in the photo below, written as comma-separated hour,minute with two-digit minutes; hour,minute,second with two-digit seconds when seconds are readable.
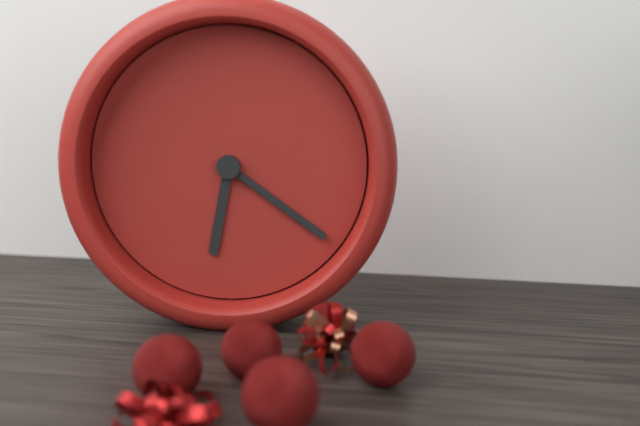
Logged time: 6,21
